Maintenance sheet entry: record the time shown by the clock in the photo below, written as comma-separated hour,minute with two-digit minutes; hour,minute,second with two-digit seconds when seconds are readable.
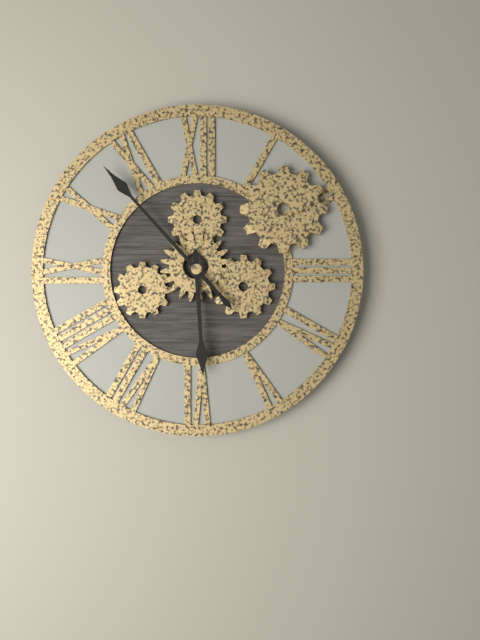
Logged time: 5,53
